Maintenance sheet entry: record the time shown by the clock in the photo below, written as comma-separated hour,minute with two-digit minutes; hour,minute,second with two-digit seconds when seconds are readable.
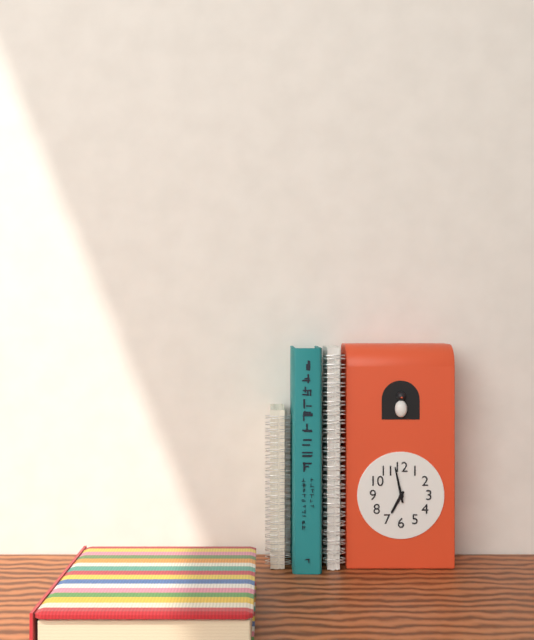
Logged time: 6,58
